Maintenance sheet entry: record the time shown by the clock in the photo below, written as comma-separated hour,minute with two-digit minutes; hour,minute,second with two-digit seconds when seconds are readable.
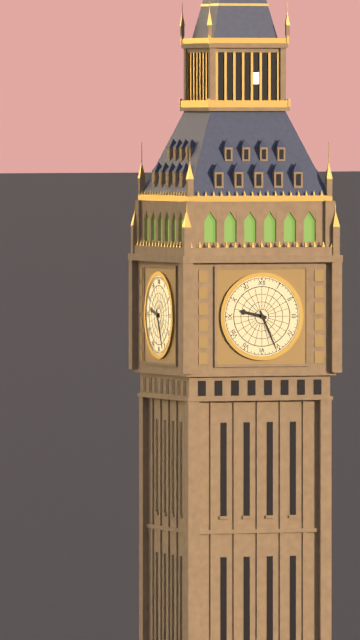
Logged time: 9,26
